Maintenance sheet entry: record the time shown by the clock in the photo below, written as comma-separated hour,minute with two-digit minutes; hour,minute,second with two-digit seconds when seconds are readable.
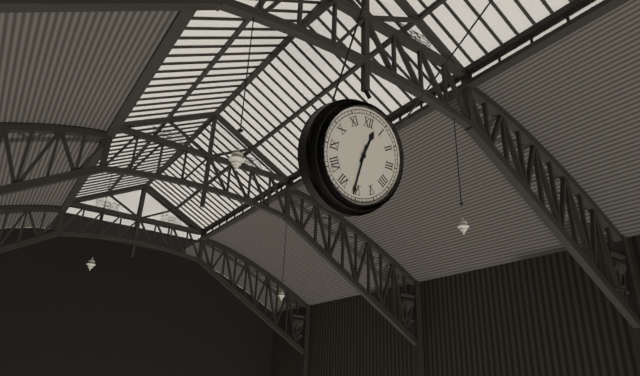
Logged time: 12,31
